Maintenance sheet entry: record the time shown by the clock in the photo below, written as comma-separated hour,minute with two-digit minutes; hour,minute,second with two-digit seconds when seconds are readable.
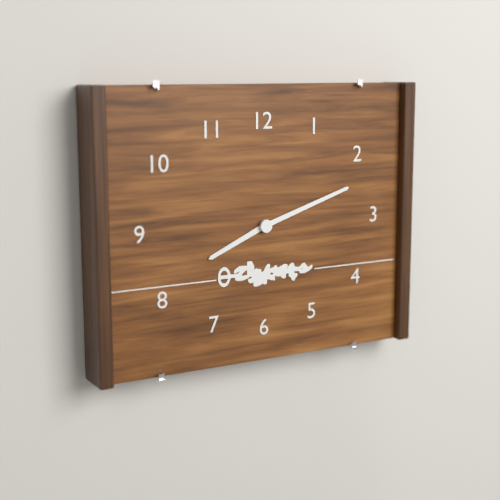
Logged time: 8,12
